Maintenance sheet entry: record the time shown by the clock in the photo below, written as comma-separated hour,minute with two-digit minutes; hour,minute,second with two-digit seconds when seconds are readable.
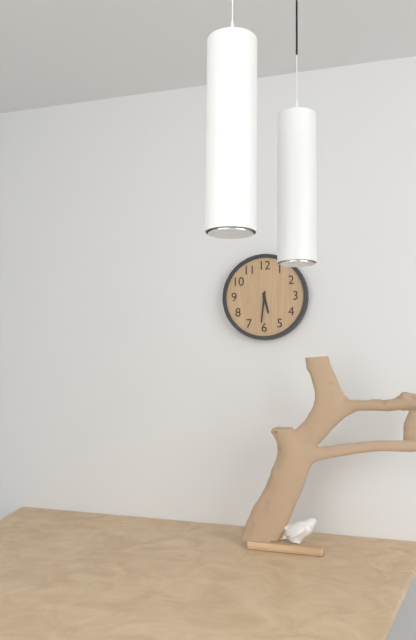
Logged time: 5,31
